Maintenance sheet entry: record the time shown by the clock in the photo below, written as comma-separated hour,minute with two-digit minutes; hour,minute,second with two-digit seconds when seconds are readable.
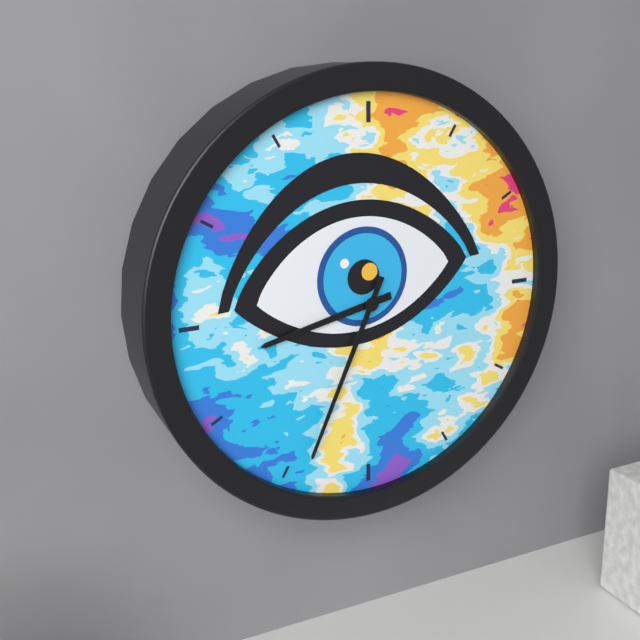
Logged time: 8,34
